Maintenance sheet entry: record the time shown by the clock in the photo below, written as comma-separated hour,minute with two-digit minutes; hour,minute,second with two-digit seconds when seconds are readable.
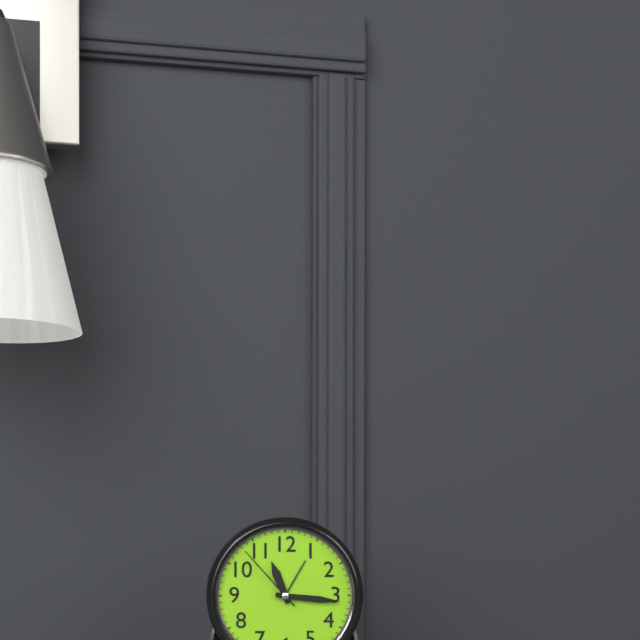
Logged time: 11,16,53
